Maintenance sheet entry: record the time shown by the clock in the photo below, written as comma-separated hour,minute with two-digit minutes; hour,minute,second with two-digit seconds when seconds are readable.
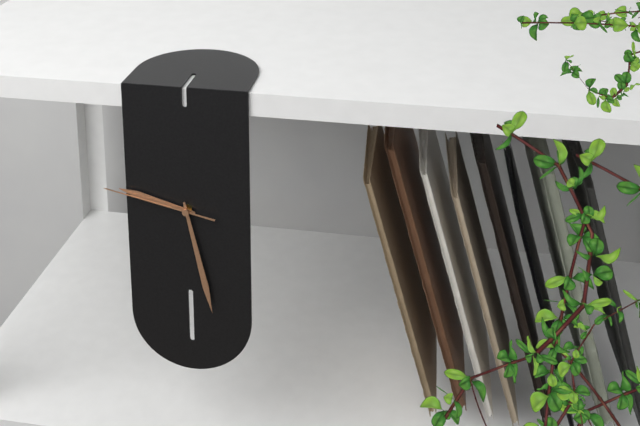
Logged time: 9,28,47
